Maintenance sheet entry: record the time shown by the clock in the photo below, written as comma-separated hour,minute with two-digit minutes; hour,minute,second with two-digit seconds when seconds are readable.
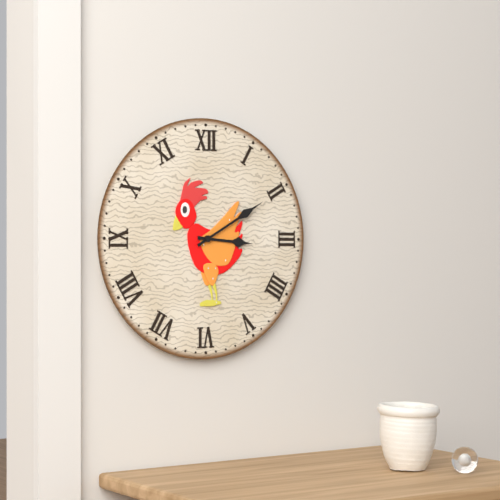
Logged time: 3,10
